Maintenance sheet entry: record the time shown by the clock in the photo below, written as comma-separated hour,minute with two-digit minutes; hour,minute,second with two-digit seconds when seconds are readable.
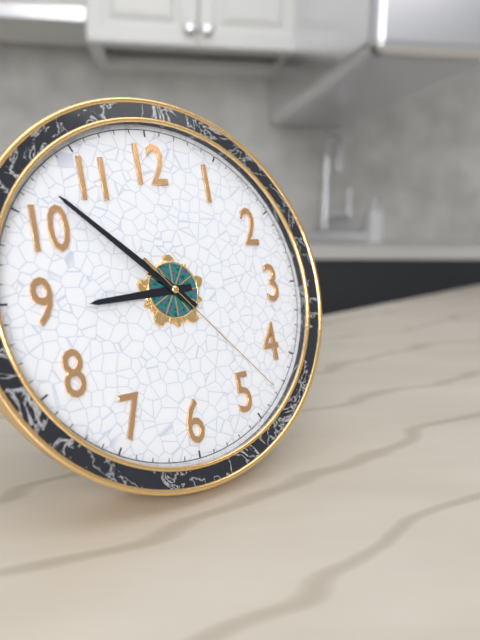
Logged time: 8,52,23
